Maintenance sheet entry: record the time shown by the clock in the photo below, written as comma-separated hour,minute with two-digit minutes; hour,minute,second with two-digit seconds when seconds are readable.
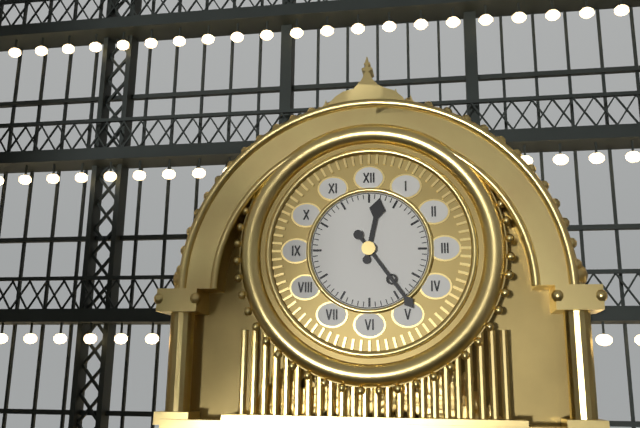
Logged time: 12,24
